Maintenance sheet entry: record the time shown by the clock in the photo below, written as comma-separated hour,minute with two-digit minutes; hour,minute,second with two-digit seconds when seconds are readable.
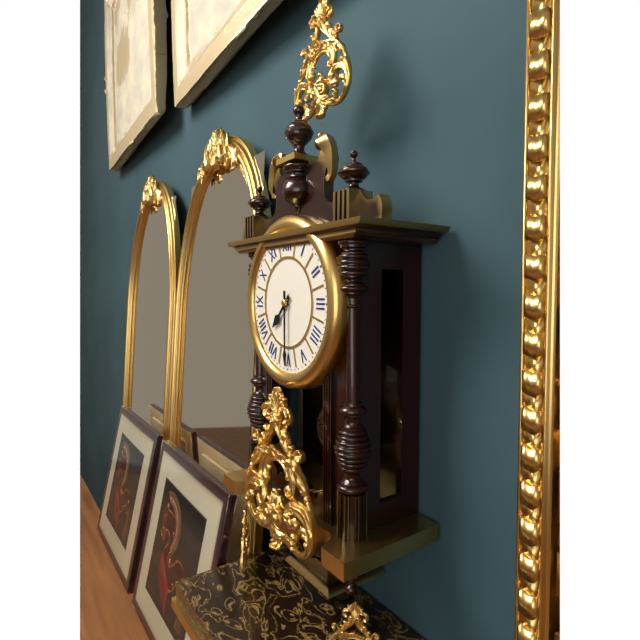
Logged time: 7,30
